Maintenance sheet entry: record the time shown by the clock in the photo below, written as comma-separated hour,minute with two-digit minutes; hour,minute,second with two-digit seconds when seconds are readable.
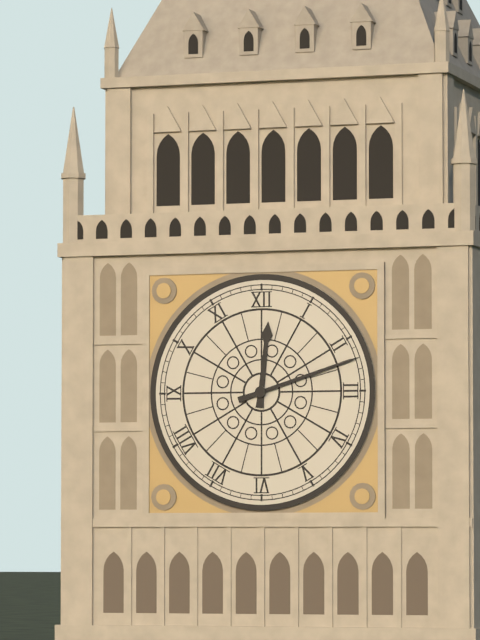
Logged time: 12,12
